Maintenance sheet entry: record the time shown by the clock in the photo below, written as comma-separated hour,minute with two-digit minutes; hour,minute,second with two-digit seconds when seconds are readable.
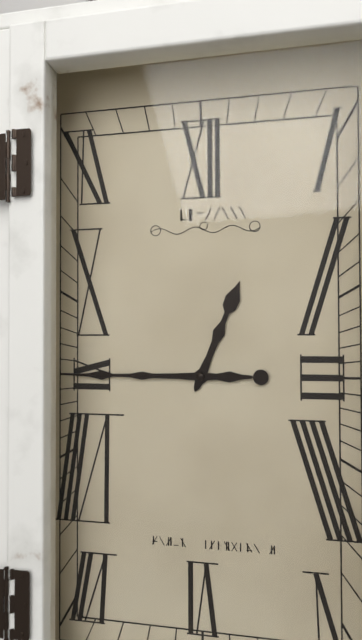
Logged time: 12,45
